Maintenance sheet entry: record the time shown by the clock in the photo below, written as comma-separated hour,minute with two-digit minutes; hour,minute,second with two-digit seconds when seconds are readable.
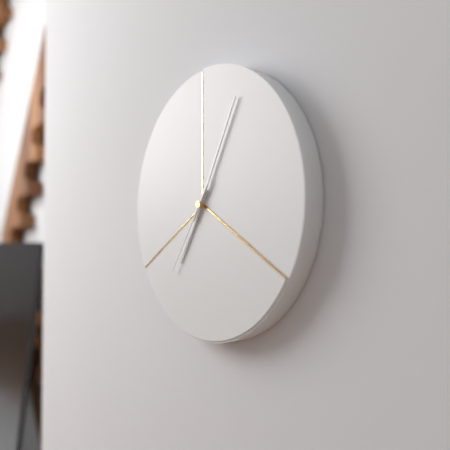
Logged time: 7,05,36
